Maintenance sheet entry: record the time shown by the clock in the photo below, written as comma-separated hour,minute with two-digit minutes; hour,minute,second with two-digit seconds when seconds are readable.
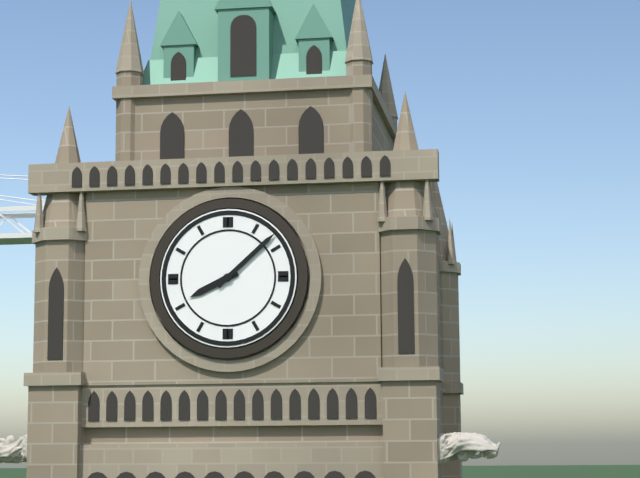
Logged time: 8,08
